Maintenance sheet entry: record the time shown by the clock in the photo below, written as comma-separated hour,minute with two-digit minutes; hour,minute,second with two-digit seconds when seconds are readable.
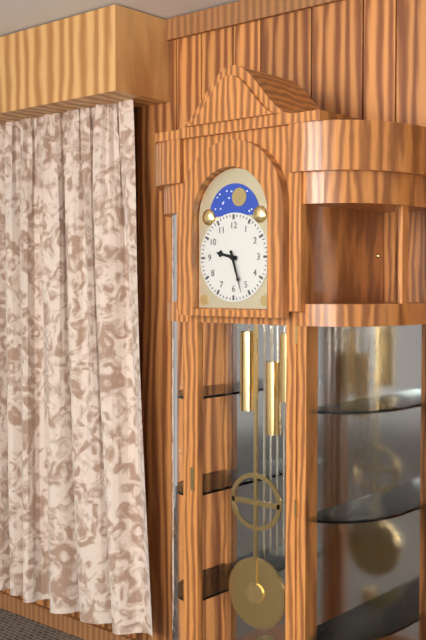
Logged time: 9,27
